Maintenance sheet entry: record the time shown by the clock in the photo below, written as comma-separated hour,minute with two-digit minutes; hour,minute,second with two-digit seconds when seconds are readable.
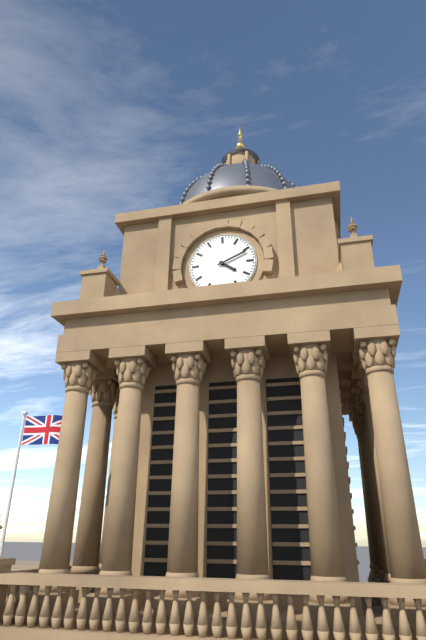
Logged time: 4,11
